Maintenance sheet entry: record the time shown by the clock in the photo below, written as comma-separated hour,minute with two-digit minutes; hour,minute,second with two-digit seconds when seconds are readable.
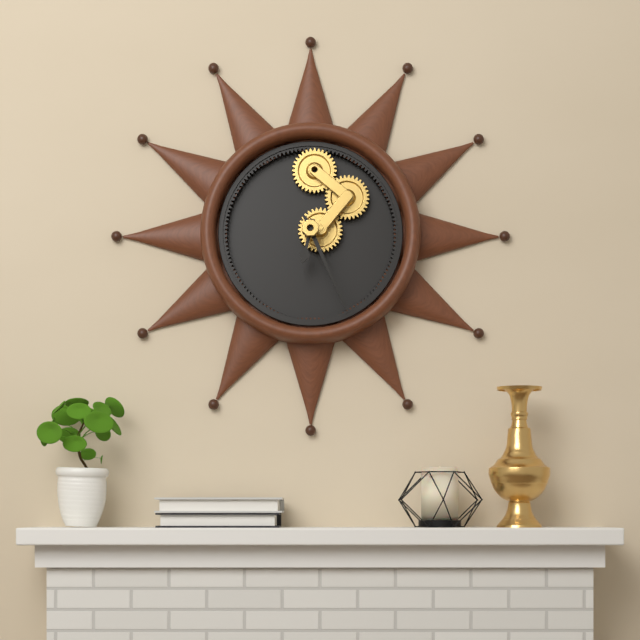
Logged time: 6,26
